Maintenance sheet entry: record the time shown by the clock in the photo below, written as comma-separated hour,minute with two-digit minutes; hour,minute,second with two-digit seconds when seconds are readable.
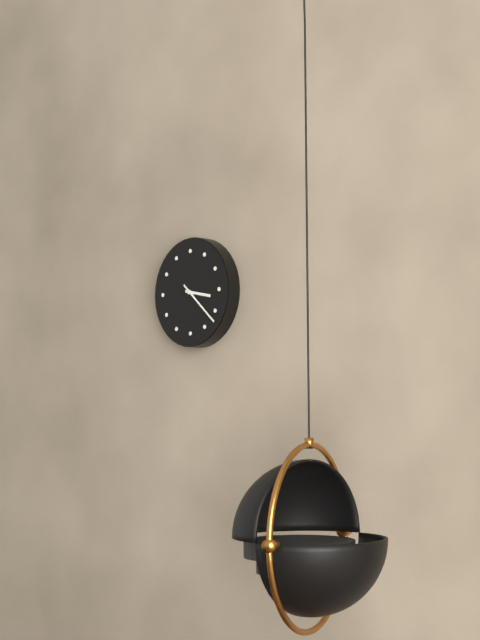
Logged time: 3,22
